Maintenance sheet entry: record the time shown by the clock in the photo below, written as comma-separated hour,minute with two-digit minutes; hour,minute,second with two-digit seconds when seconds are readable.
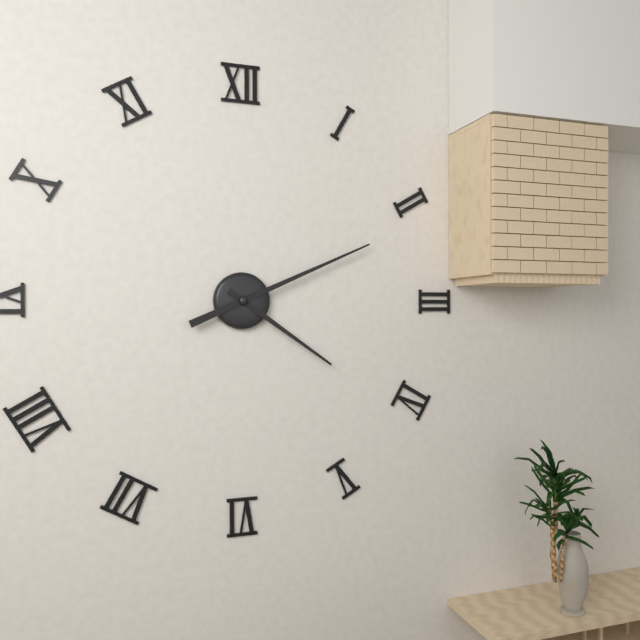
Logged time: 4,11
